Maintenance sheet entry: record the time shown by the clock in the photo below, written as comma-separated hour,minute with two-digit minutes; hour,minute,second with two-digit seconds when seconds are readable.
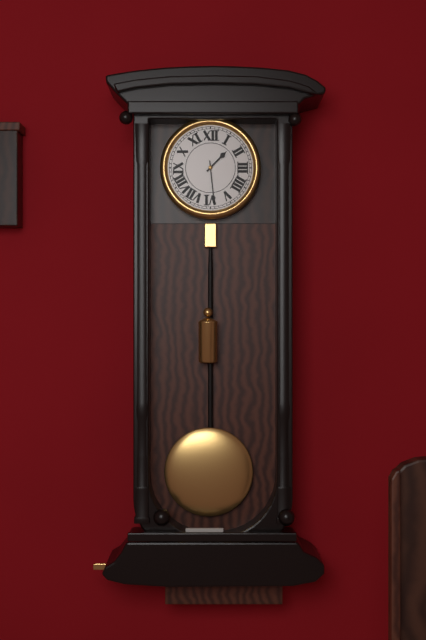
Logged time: 1,29
